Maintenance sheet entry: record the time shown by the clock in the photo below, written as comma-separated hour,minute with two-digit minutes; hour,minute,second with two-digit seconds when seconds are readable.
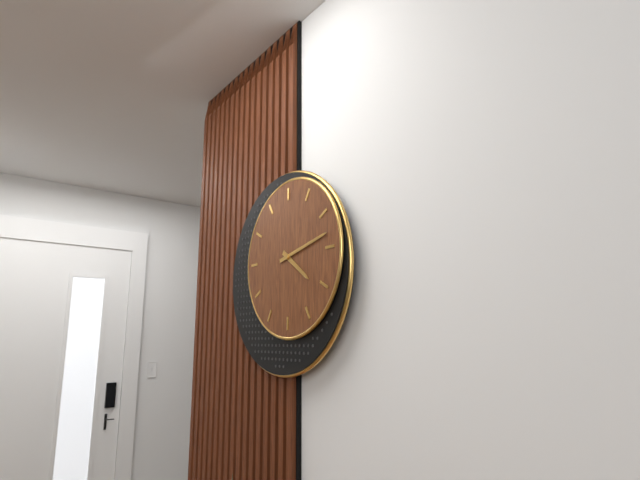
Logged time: 4,13
